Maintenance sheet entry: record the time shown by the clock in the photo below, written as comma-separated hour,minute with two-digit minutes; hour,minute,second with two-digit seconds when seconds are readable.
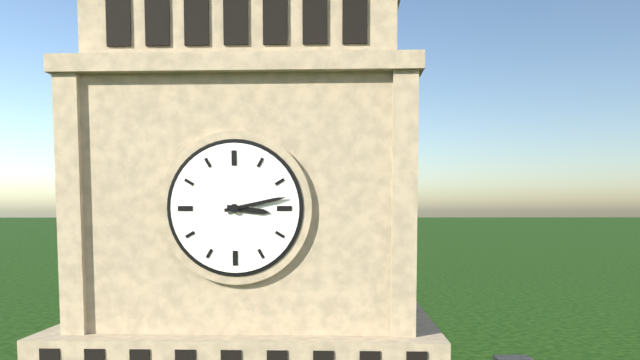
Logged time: 3,13
